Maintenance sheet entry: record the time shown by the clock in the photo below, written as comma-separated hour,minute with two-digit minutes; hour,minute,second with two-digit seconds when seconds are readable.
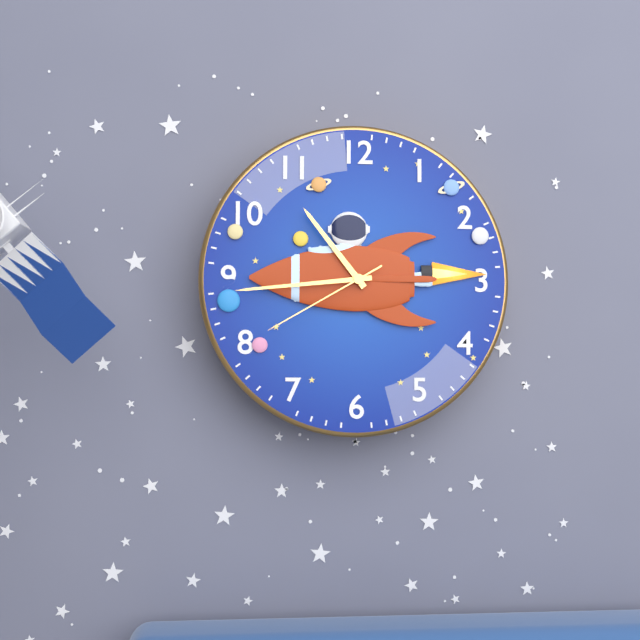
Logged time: 10,44,40
